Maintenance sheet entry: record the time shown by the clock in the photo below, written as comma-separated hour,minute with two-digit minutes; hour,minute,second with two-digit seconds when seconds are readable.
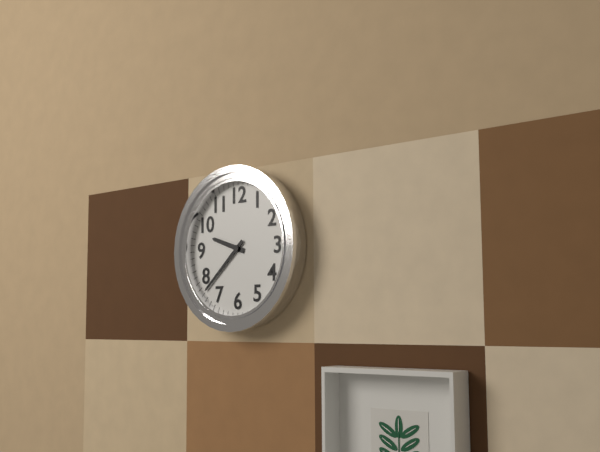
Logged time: 9,38
